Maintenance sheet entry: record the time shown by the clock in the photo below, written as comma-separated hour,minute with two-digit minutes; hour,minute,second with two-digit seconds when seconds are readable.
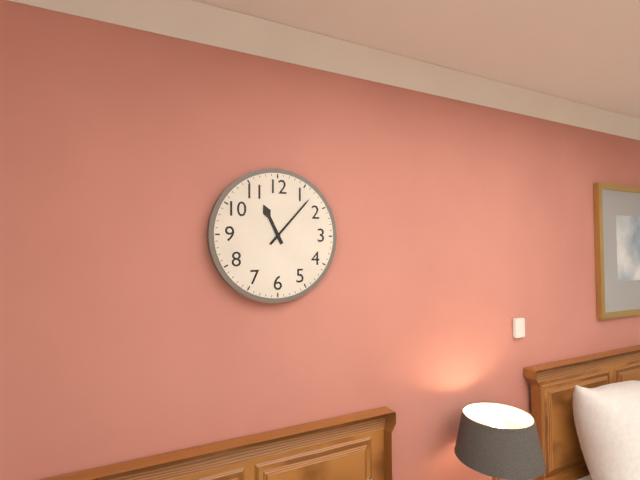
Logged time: 11,07
